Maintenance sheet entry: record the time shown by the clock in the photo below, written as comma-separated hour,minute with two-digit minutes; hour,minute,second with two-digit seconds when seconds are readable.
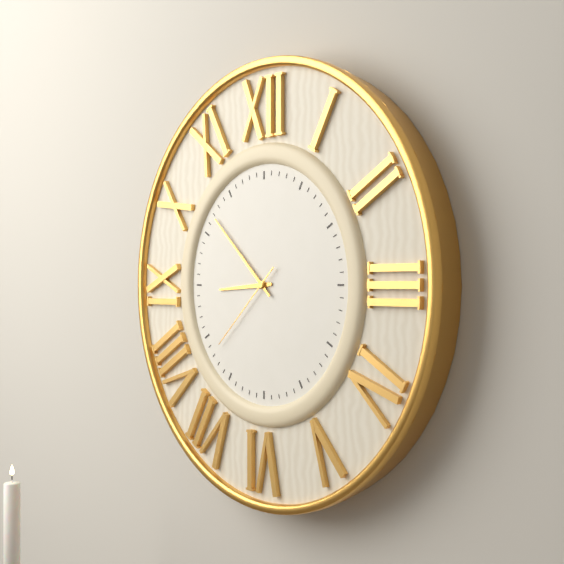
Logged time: 8,52,38
